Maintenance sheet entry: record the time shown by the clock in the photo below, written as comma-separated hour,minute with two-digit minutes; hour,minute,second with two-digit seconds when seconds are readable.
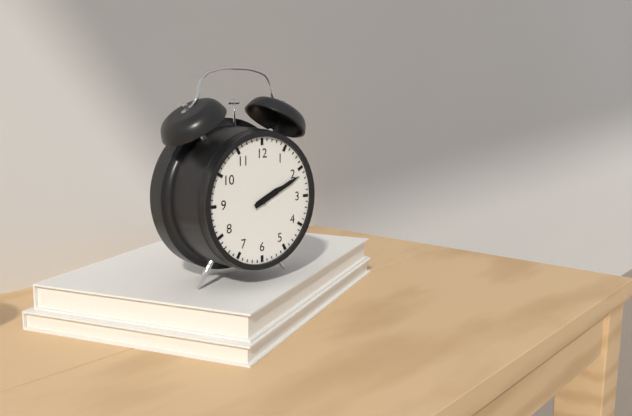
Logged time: 2,11
